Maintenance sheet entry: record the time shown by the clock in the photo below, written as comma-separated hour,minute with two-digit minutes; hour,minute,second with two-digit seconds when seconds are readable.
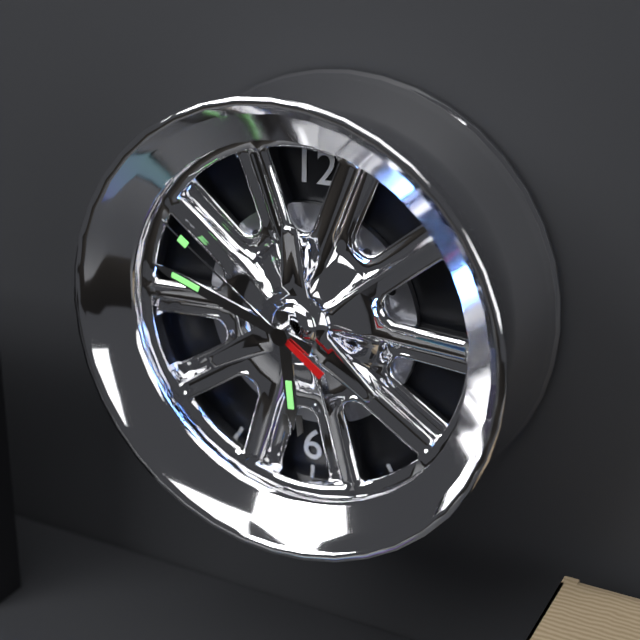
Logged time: 5,48,51
